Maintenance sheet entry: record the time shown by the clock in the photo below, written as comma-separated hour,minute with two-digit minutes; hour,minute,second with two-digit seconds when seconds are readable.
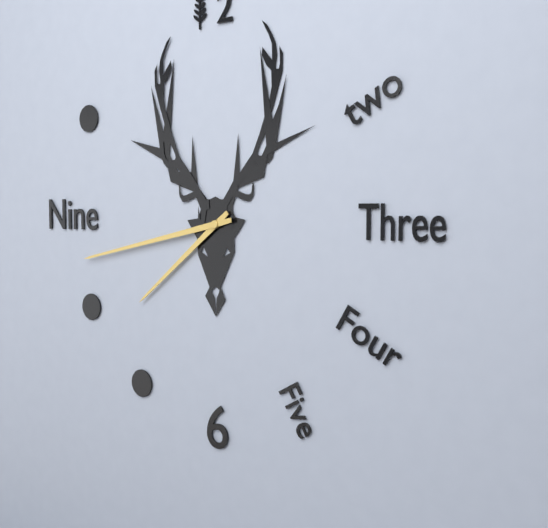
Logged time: 7,43
